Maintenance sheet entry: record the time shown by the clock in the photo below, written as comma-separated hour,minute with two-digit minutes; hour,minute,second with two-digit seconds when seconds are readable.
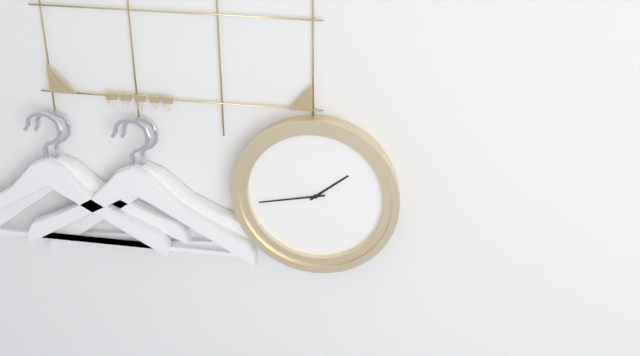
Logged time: 1,43
